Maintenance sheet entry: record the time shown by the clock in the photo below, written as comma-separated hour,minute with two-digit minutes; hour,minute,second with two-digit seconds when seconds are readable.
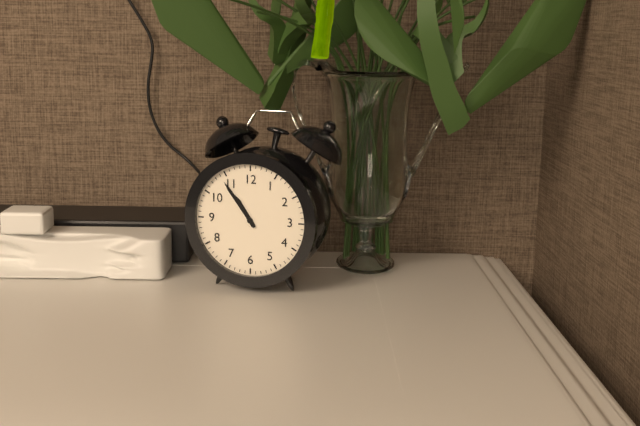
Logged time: 10,54
